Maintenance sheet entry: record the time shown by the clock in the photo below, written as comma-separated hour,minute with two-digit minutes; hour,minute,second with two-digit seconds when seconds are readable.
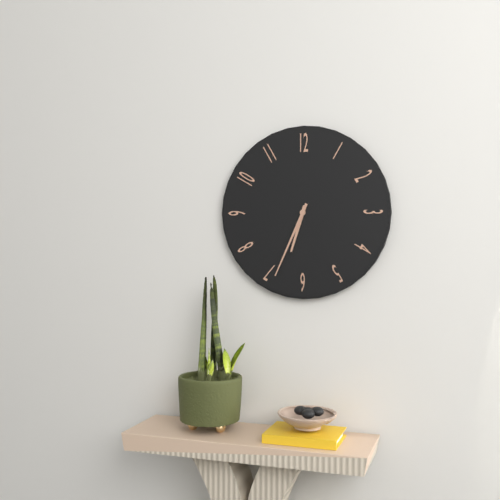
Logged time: 6,34
